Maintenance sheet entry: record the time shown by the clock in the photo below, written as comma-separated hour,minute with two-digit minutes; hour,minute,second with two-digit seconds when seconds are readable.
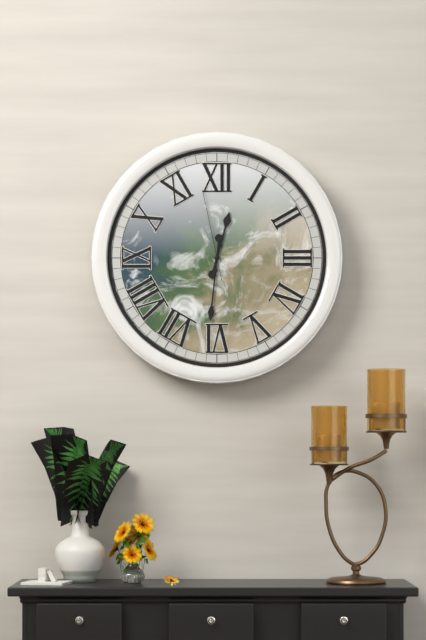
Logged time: 12,31,58
